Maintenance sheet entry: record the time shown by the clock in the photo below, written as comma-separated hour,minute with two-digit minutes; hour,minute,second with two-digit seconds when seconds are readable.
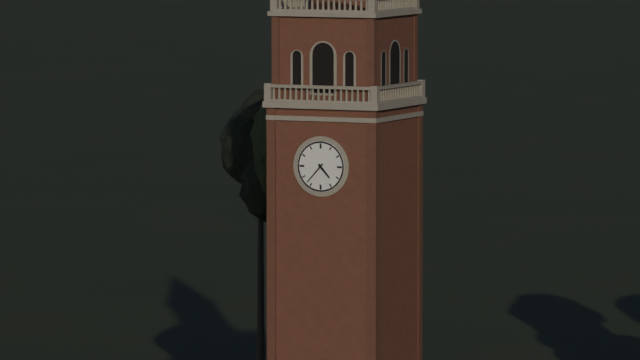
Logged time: 4,37
